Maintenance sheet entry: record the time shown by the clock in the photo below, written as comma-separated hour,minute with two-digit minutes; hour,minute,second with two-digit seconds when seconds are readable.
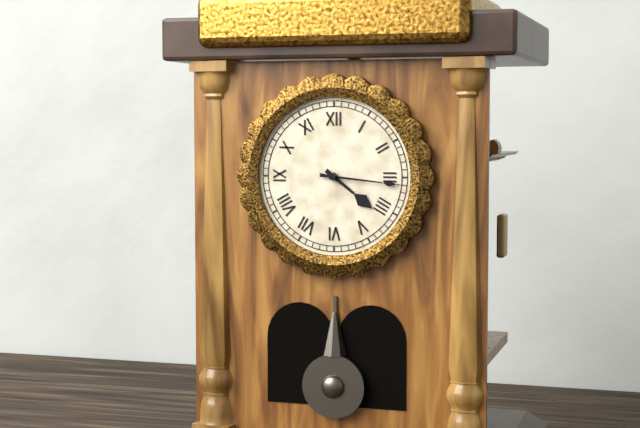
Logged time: 4,16
